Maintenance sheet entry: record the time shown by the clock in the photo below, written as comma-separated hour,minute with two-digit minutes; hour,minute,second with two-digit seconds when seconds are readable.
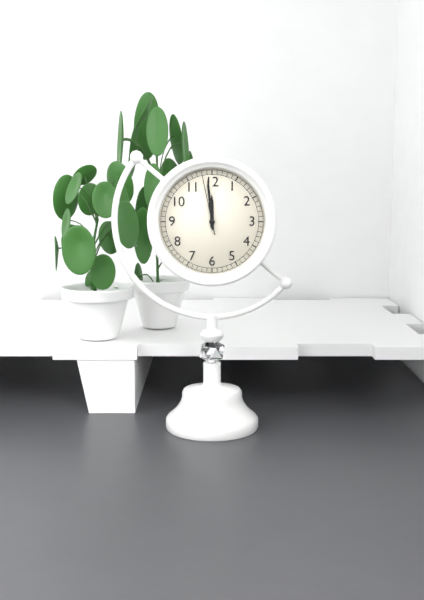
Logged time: 11,59,58
